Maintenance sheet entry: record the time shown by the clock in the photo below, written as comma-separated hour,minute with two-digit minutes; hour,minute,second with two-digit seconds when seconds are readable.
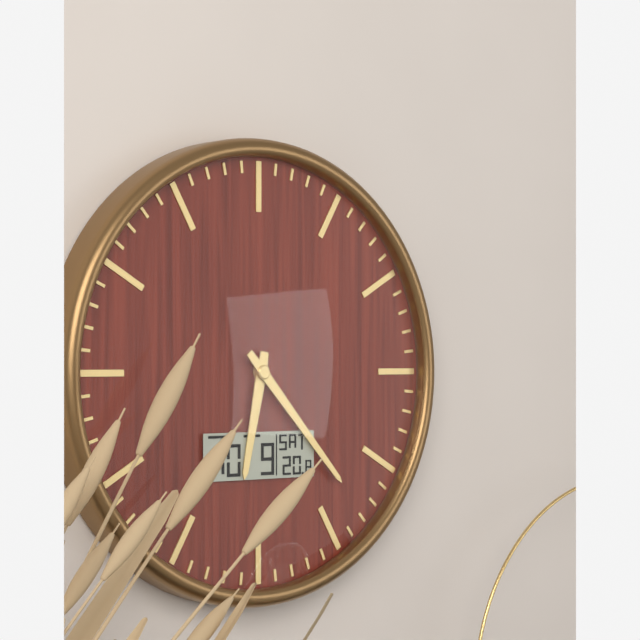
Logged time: 6,23
